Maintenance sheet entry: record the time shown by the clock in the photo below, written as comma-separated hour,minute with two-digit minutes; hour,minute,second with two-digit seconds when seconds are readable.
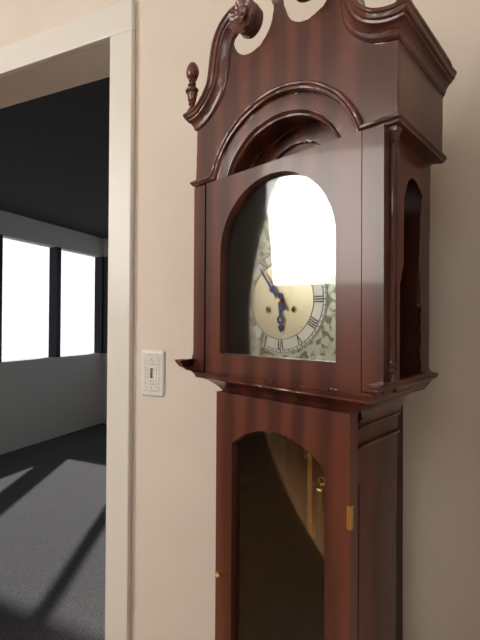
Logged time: 5,54
